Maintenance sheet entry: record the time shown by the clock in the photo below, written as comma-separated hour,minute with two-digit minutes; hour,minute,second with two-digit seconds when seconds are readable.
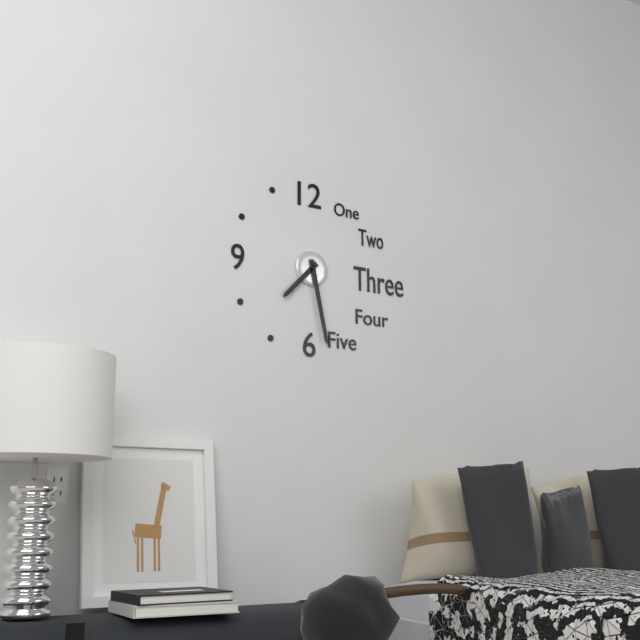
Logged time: 7,28
